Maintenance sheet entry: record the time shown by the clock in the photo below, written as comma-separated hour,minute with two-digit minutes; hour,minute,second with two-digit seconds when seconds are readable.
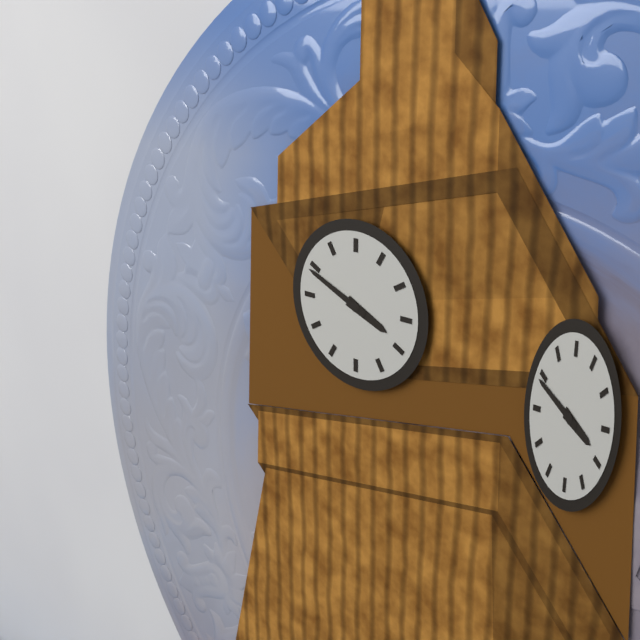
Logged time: 3,49
